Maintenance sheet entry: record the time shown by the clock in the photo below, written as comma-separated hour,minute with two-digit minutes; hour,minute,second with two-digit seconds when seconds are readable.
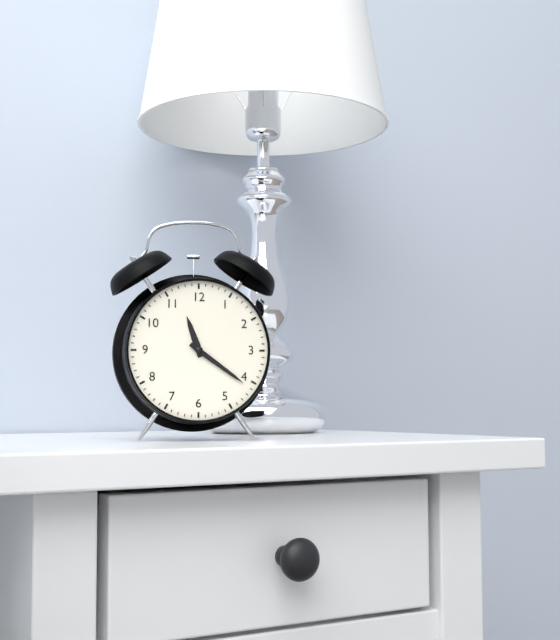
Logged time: 11,21
